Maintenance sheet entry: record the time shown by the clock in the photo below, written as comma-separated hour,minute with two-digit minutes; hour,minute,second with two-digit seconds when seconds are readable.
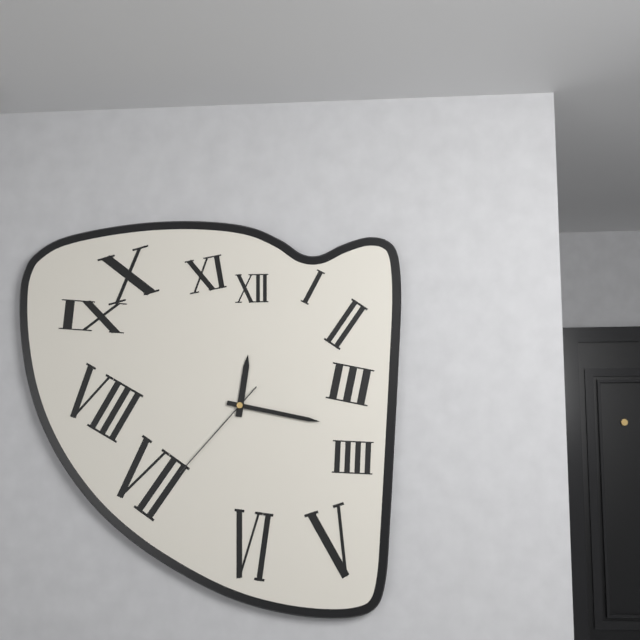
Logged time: 12,17,37
